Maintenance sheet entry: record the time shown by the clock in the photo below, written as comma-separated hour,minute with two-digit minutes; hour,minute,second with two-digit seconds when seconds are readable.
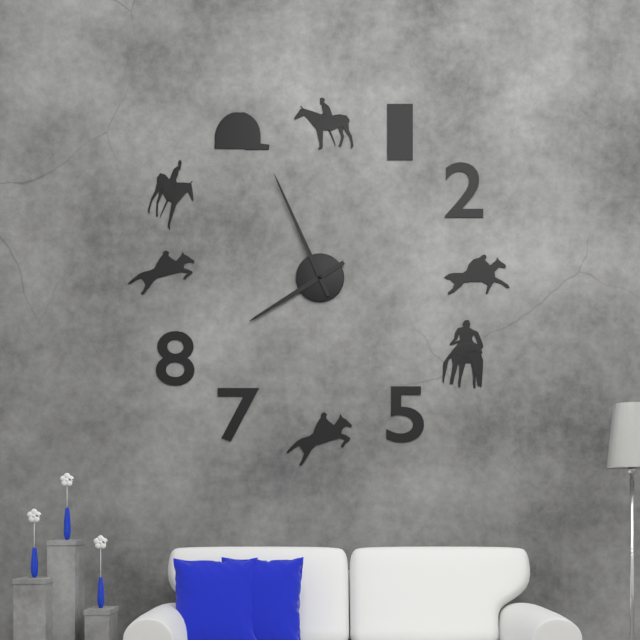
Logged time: 7,56
